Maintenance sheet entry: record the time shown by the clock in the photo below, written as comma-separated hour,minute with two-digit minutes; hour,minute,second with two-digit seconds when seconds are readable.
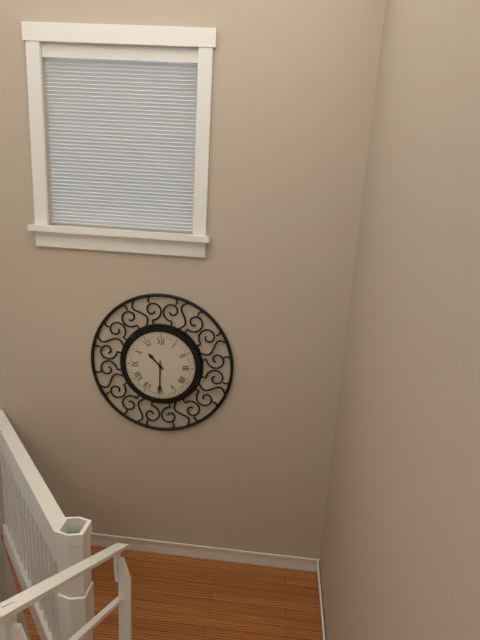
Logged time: 10,30
